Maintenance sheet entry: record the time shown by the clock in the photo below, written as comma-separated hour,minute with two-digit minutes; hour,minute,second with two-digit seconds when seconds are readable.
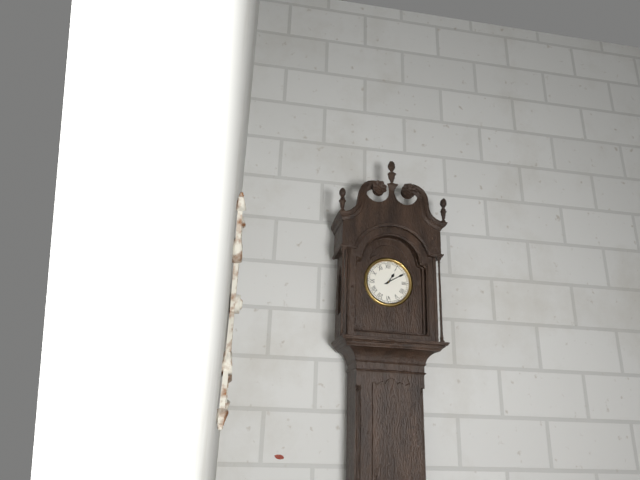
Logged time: 1,10
